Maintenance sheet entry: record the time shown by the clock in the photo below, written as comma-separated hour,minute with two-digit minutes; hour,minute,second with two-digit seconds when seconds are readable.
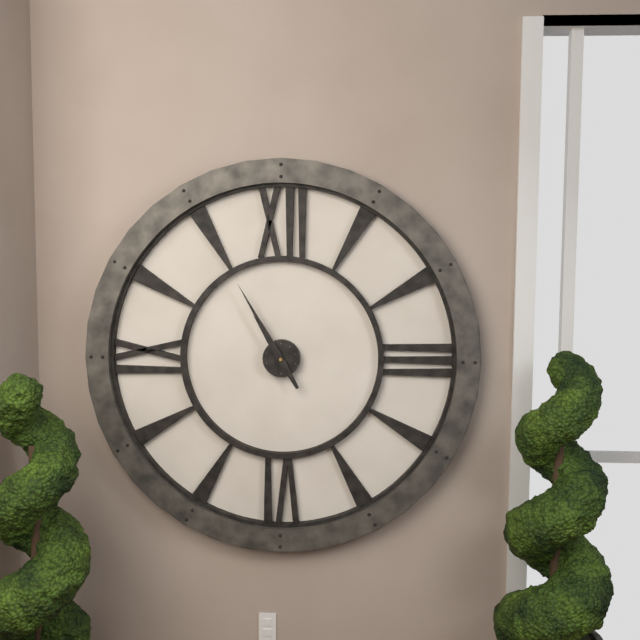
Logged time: 10,55
